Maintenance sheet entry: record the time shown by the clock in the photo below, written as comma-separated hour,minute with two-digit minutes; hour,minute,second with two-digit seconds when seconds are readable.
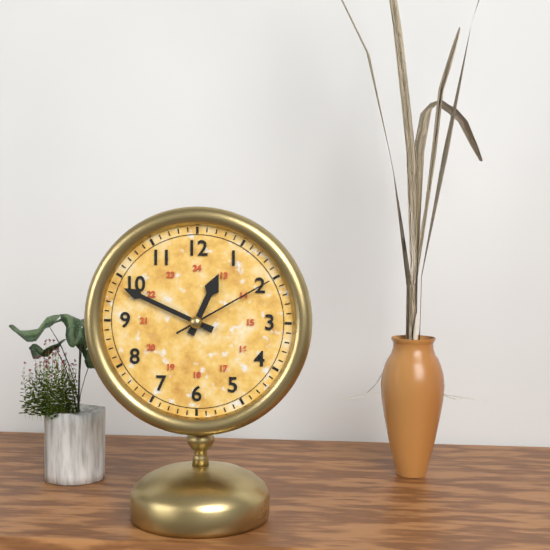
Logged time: 12,49,10
